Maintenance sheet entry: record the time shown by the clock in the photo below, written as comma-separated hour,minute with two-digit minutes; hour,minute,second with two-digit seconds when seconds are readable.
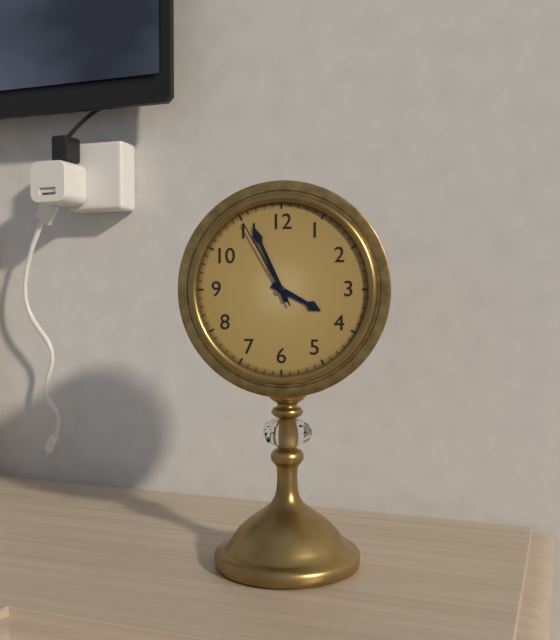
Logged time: 3,56,55
